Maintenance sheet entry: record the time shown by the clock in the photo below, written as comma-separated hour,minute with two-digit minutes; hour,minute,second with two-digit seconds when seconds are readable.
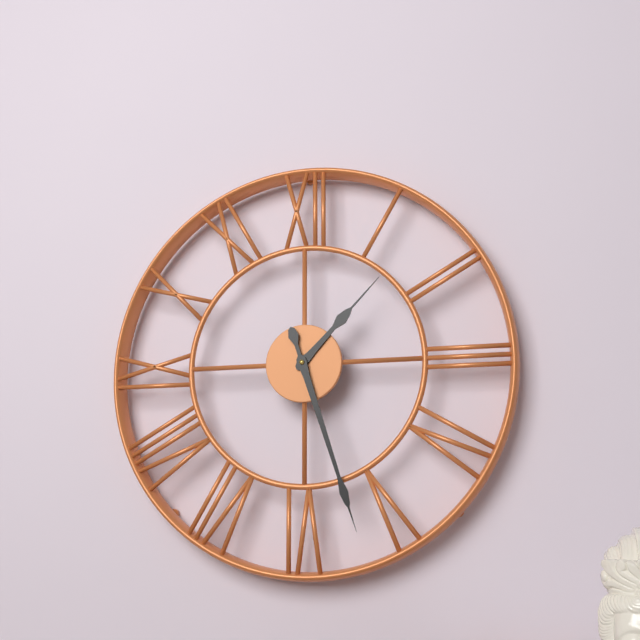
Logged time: 1,27
